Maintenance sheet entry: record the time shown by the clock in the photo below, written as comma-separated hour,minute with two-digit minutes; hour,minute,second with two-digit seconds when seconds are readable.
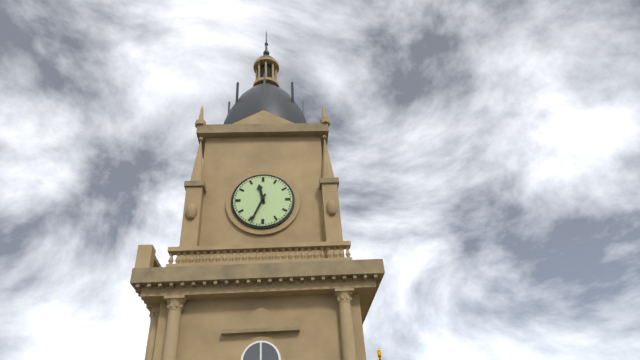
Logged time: 11,34
